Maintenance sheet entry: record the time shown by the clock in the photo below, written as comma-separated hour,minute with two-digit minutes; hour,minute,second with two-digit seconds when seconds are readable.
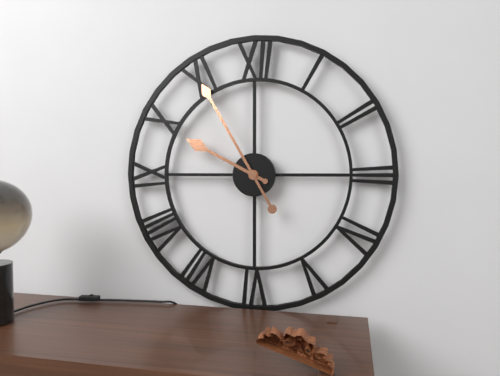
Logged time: 9,55
